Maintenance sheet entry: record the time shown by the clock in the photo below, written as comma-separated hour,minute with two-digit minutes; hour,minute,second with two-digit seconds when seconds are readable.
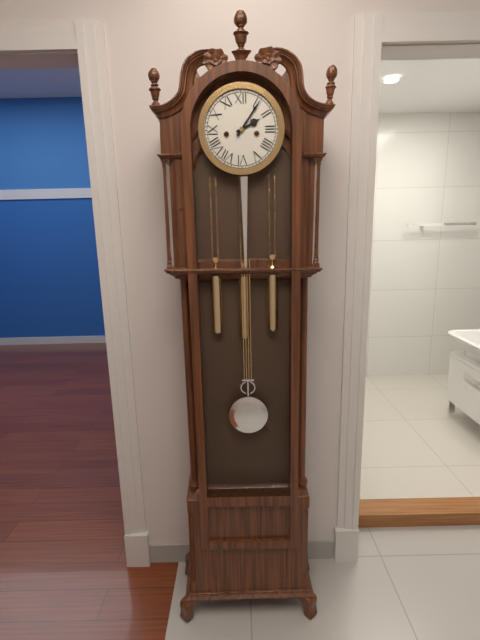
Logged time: 2,06
